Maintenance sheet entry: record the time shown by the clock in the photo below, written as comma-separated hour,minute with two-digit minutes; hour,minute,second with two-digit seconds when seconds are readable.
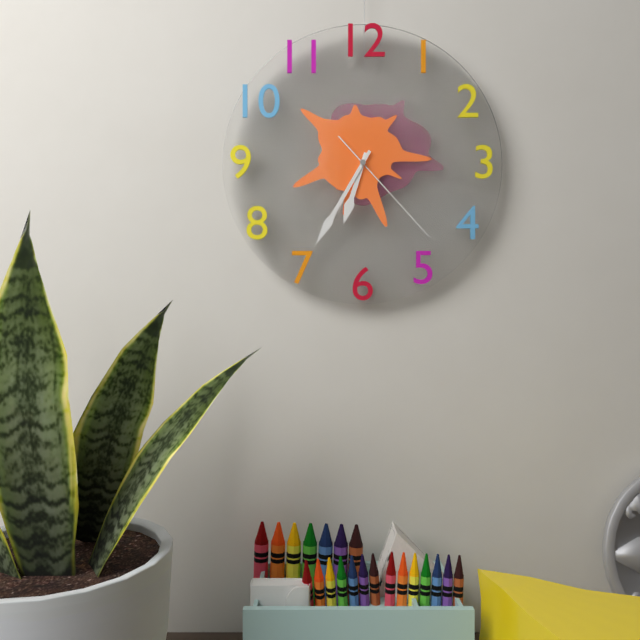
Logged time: 6,35,23
